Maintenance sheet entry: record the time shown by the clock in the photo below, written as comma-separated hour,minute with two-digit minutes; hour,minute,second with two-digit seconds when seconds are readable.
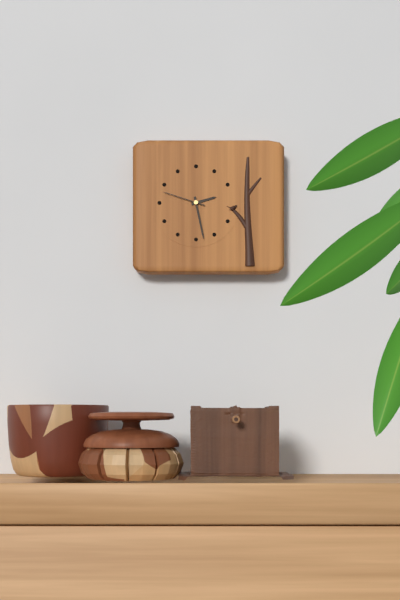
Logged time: 2,28
